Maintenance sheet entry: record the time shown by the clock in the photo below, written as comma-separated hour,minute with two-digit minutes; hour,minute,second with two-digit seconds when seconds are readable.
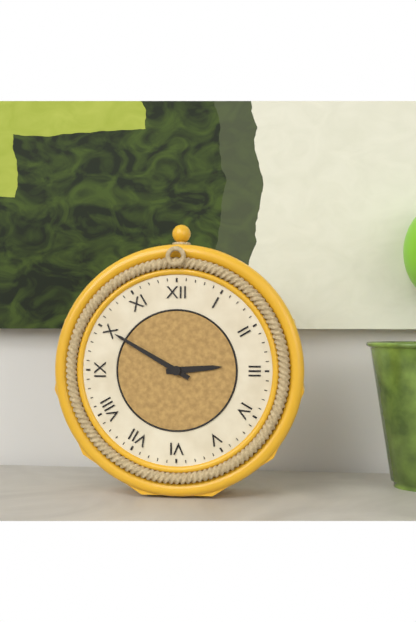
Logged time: 2,50
